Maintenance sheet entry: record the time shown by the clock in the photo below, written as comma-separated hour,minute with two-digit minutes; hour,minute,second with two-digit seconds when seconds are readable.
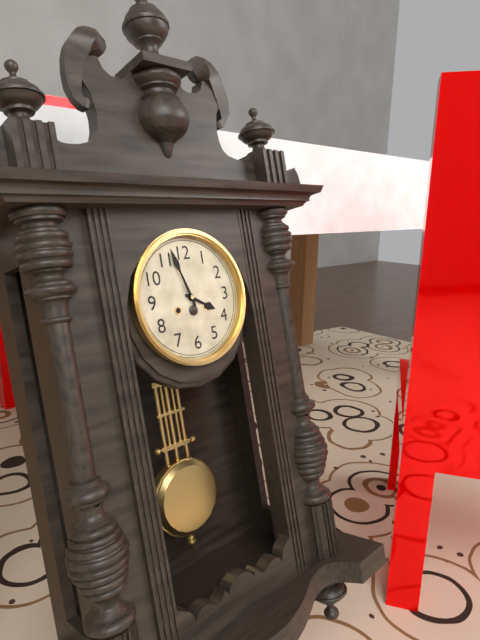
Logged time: 3,57
